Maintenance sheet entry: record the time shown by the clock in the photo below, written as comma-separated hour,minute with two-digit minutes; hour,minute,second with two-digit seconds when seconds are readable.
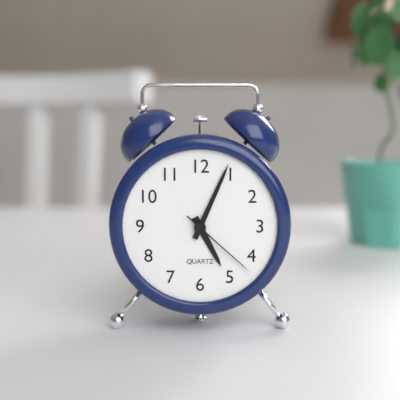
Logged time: 5,04,22
